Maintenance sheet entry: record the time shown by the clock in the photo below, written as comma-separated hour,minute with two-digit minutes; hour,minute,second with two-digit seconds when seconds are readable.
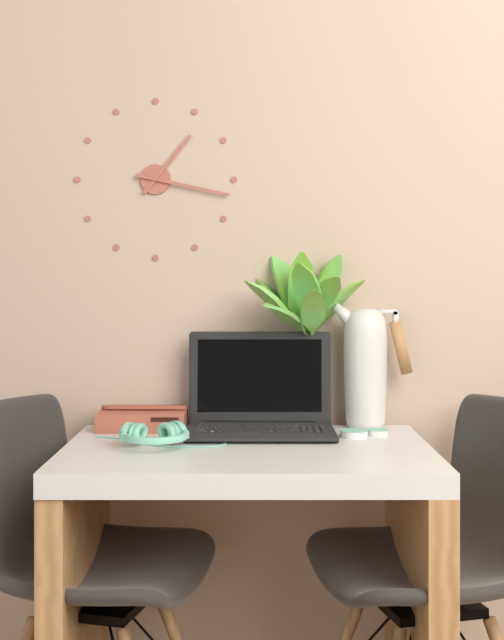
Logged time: 1,17
